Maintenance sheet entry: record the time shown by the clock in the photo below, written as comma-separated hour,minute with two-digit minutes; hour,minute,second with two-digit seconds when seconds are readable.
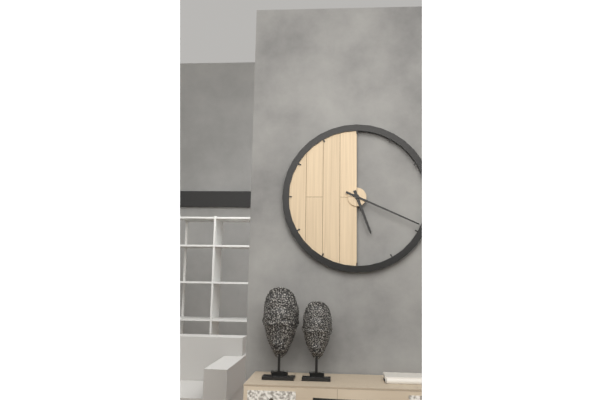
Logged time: 5,19
